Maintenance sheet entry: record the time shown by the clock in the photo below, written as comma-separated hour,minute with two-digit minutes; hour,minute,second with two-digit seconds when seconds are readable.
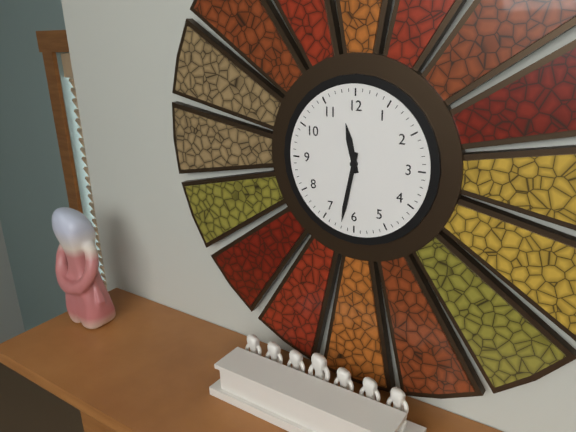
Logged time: 11,32
